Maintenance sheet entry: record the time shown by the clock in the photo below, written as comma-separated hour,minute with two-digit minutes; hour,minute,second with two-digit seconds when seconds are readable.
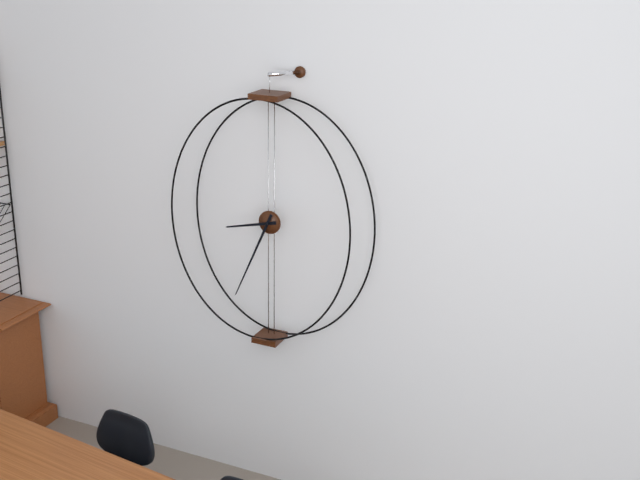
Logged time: 8,34
